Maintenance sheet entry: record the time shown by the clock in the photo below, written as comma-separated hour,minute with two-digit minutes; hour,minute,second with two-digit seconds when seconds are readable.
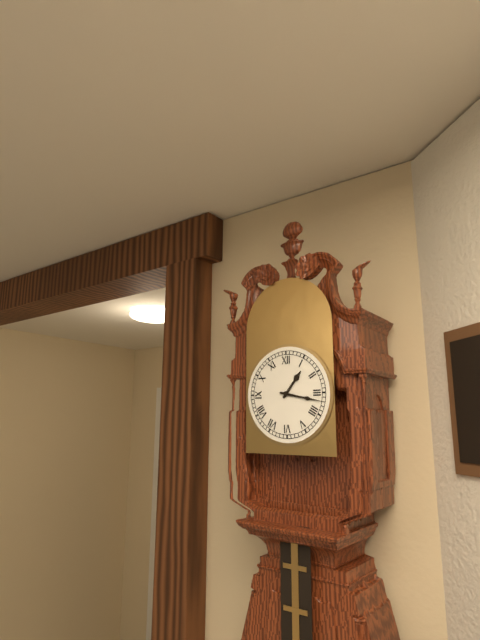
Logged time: 1,17
